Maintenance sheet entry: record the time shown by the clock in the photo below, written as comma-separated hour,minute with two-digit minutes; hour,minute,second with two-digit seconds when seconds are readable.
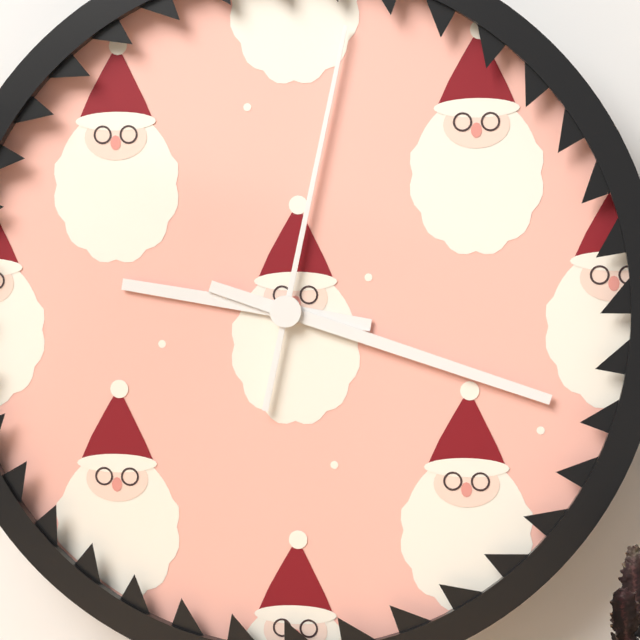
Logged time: 9,18,02
